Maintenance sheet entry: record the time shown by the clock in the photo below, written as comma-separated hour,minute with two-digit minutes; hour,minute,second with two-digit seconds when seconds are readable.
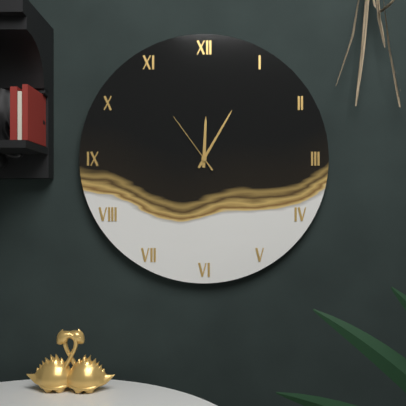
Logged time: 12,05,54
